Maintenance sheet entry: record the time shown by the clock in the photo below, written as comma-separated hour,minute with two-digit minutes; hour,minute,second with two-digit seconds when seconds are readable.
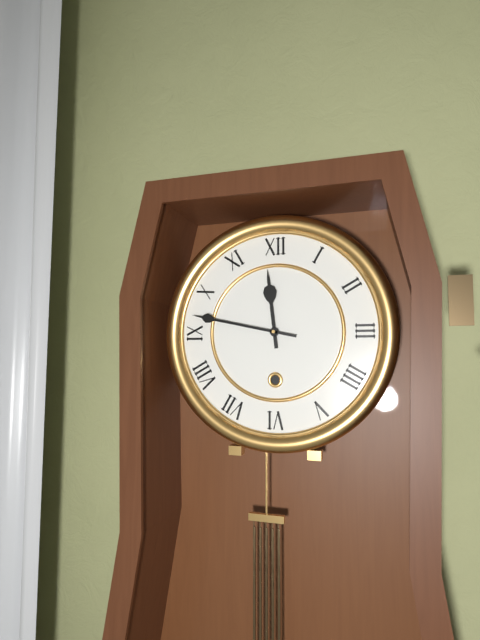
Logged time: 11,47
